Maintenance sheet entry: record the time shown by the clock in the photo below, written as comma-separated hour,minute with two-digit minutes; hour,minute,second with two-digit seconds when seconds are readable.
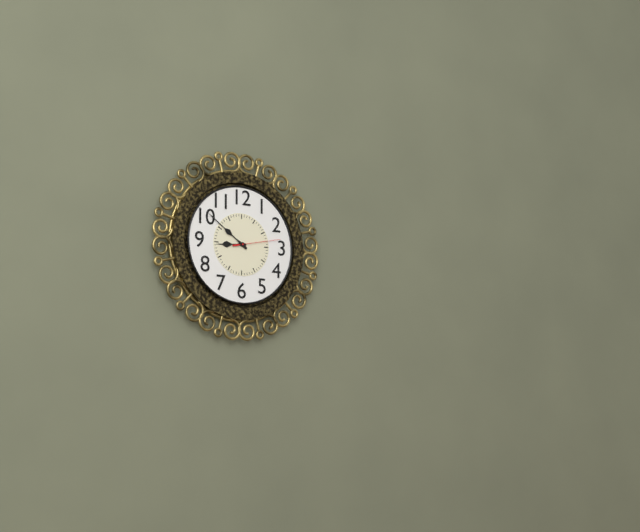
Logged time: 8,51
